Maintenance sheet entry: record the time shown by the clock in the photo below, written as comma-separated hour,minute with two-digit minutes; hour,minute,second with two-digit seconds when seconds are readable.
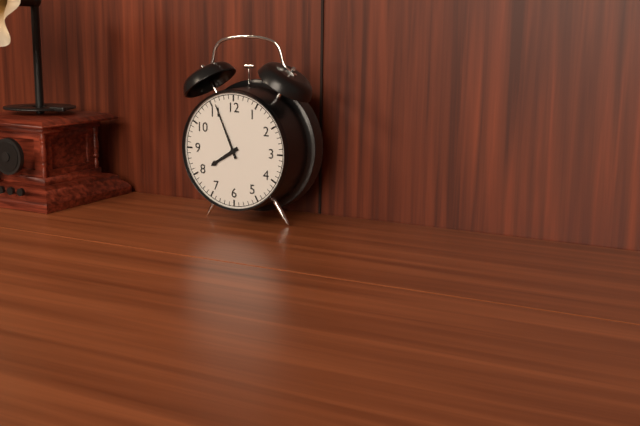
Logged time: 7,56
